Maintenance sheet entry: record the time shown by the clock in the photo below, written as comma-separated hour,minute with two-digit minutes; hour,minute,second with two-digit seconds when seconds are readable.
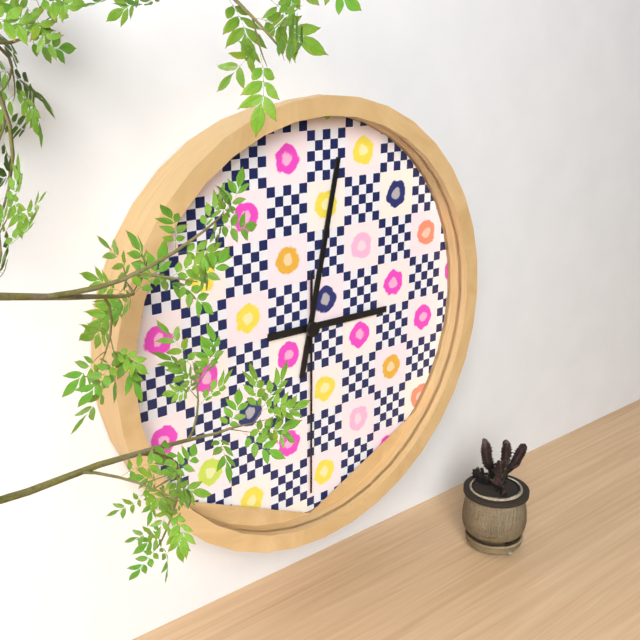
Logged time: 3,02,30
